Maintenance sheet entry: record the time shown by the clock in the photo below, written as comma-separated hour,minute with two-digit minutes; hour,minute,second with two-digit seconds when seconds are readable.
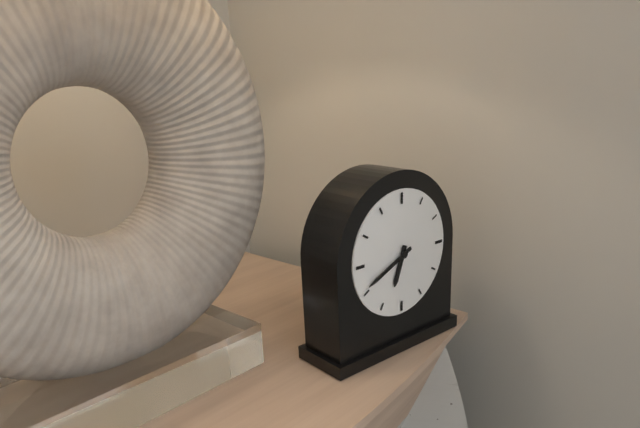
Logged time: 6,41
